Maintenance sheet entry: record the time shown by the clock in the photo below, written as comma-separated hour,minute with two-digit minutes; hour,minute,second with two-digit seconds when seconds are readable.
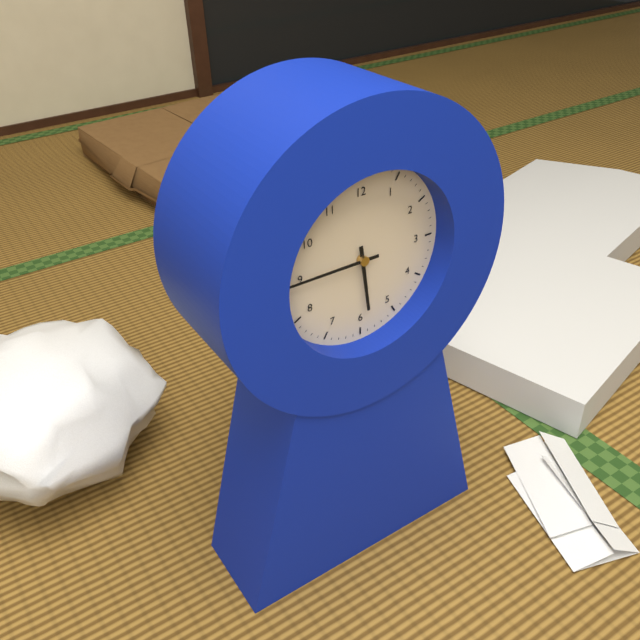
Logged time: 5,45
